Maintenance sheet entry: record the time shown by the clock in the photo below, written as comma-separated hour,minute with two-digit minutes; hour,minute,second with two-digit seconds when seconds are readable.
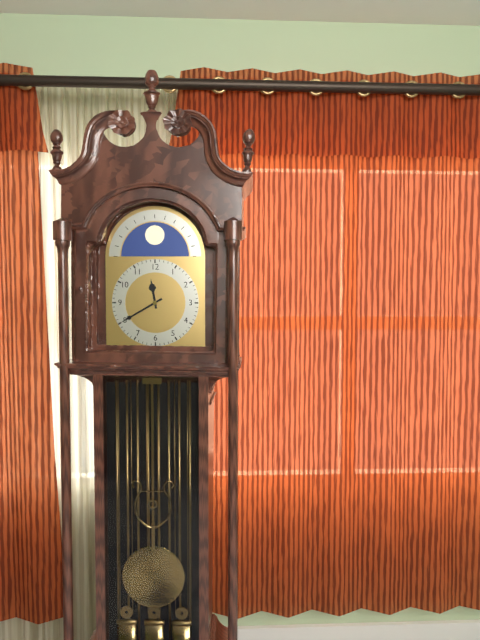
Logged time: 11,40
